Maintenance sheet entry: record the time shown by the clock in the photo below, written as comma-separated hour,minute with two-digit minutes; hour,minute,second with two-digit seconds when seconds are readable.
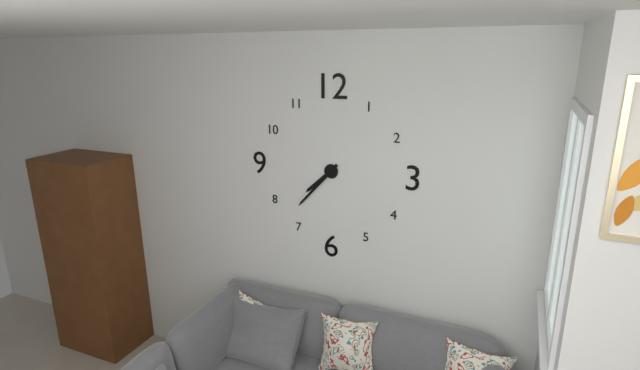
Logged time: 7,37
